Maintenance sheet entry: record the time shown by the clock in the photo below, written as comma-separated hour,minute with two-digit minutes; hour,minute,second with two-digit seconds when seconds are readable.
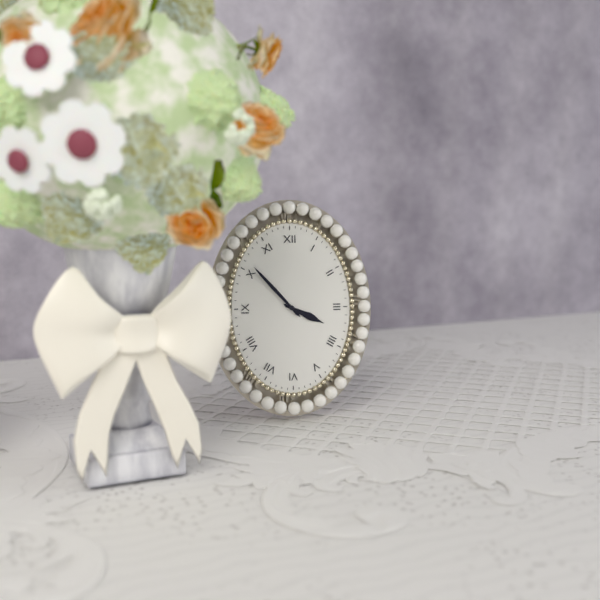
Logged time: 3,53
